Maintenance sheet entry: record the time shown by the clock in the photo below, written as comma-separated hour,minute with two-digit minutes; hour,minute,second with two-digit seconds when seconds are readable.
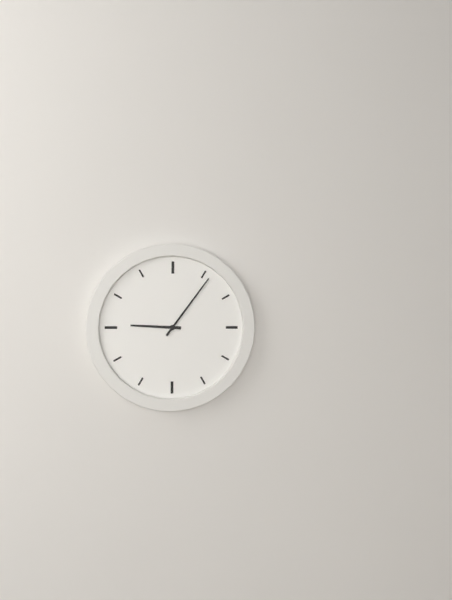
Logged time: 9,06
